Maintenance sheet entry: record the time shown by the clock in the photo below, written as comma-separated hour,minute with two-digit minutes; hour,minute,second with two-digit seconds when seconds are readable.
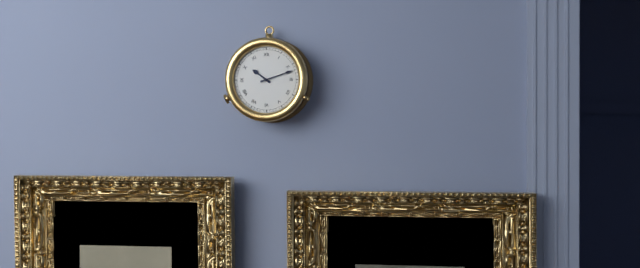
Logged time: 10,12
